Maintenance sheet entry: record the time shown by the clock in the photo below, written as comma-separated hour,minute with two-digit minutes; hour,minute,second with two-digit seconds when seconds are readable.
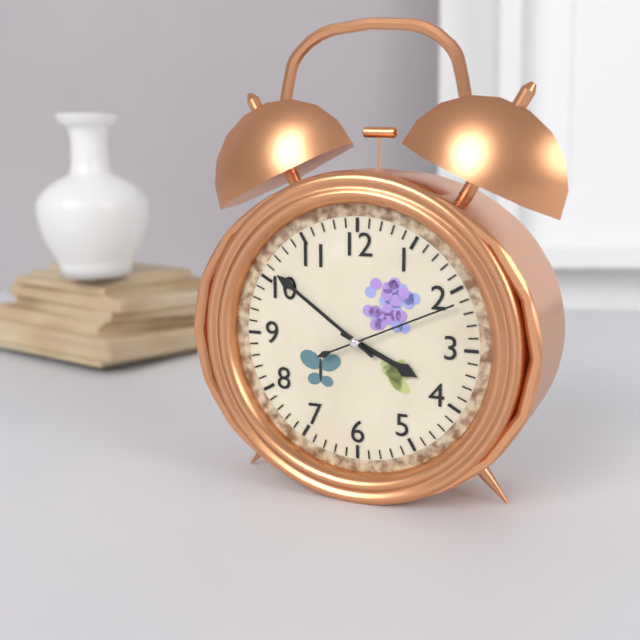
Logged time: 3,51,11
